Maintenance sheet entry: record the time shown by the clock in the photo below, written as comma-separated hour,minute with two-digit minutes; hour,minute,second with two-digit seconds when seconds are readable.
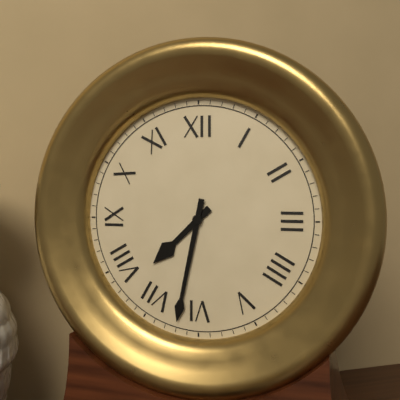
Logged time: 7,32
